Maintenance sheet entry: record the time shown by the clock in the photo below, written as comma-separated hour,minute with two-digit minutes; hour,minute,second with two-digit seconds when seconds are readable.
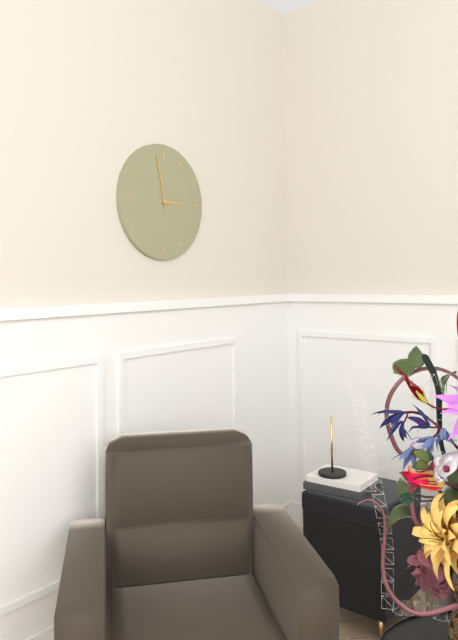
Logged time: 2,58
